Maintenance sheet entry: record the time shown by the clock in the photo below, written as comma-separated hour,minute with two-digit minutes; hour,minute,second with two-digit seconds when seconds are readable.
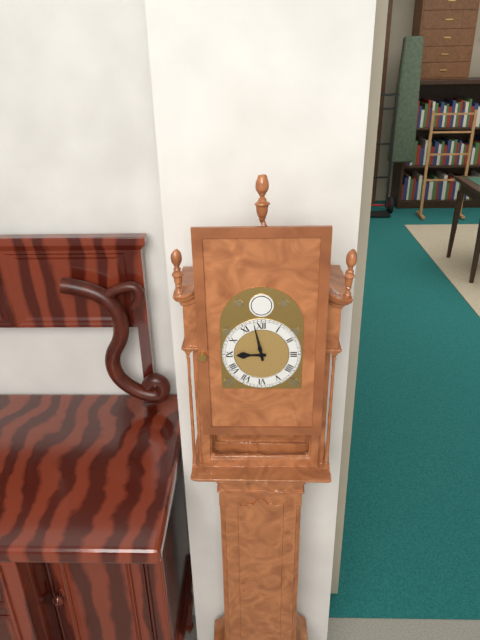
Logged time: 8,58
